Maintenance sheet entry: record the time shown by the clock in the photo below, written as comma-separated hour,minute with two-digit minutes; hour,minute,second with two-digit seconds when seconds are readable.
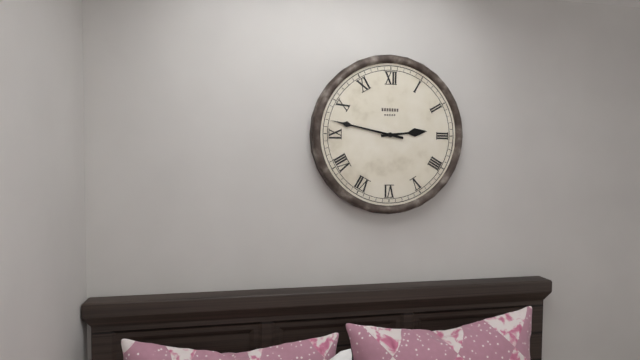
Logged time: 2,47
